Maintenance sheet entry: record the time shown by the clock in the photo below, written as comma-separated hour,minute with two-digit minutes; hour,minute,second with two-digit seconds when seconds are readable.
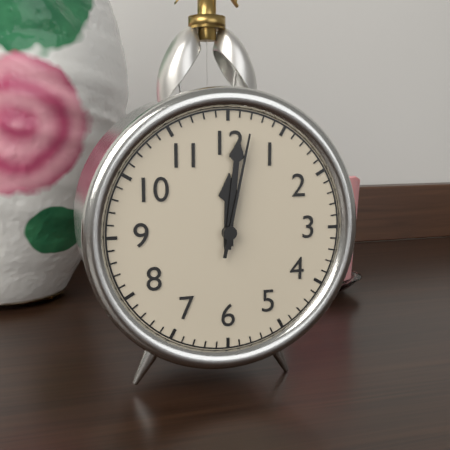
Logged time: 12,01,02
